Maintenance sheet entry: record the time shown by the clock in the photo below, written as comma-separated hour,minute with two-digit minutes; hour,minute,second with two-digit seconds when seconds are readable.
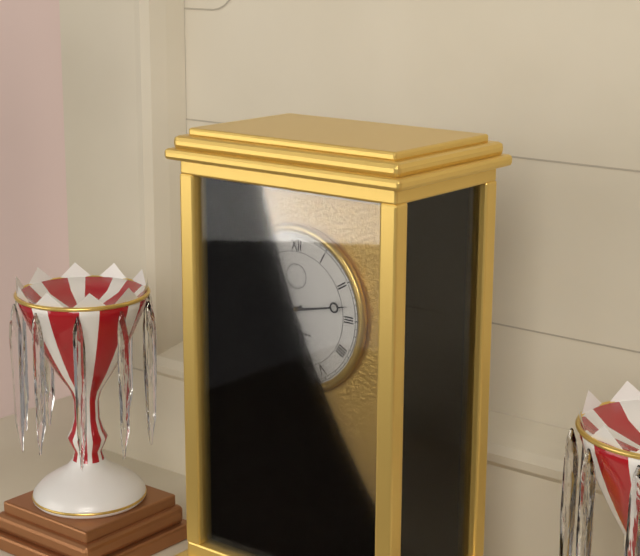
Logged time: 8,13
